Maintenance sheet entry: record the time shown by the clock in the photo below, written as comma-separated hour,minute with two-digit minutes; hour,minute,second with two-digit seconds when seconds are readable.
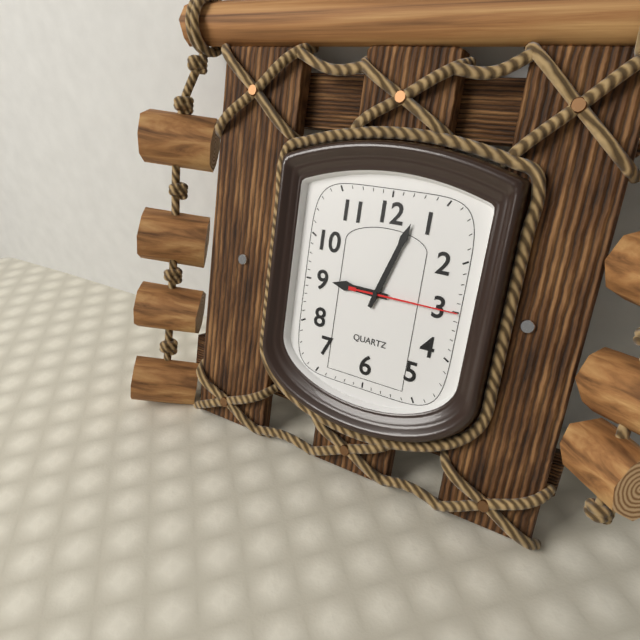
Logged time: 9,03,15
